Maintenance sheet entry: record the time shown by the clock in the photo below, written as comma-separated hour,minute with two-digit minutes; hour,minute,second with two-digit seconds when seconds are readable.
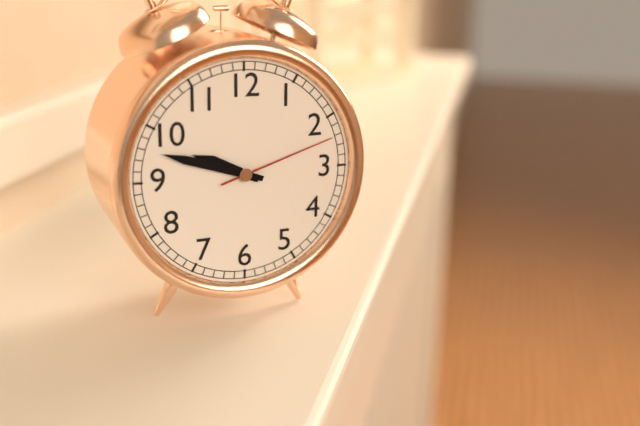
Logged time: 9,48,12
